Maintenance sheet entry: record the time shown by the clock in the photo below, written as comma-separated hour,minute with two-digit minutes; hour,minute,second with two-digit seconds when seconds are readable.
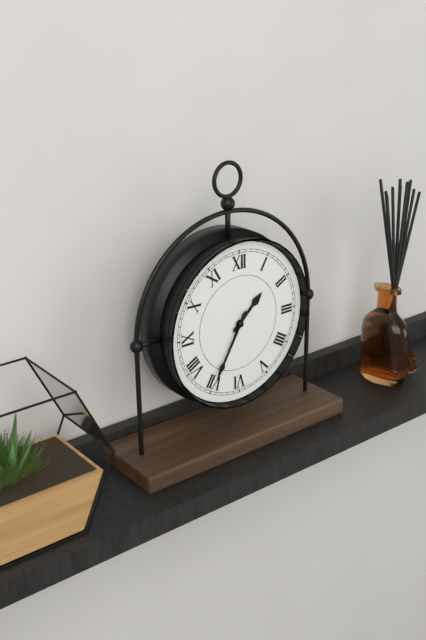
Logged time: 1,35
